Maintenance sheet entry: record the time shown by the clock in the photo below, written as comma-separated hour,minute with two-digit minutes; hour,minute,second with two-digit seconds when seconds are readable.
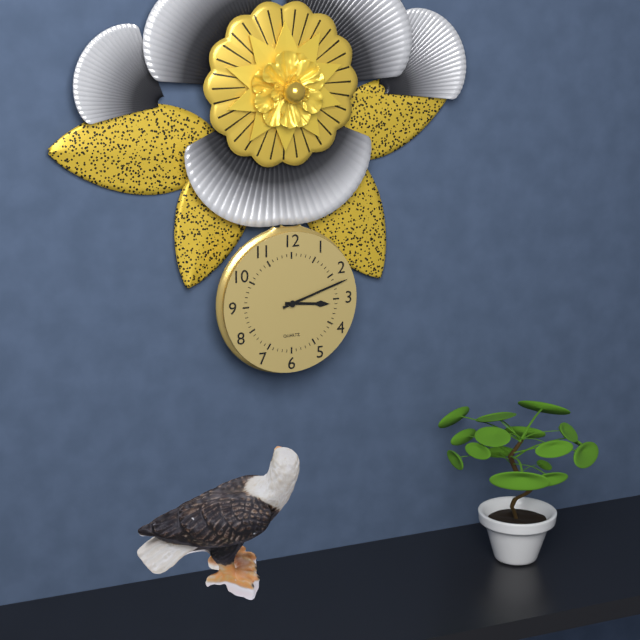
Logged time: 3,12
